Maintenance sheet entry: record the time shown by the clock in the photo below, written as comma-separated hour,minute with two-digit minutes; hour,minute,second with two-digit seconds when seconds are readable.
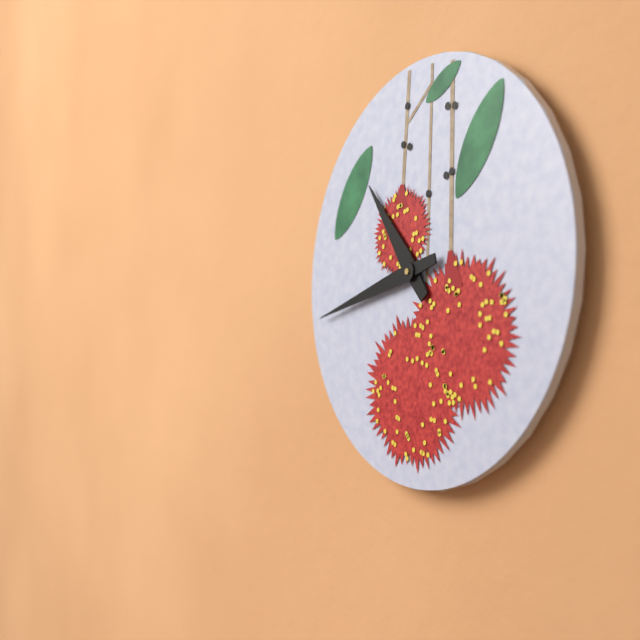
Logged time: 10,43
